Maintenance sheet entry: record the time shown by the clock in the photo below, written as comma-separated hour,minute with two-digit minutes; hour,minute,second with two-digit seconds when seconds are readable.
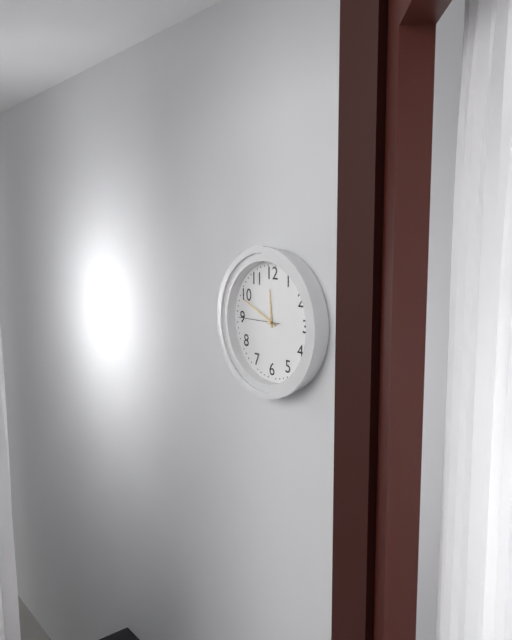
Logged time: 11,49
